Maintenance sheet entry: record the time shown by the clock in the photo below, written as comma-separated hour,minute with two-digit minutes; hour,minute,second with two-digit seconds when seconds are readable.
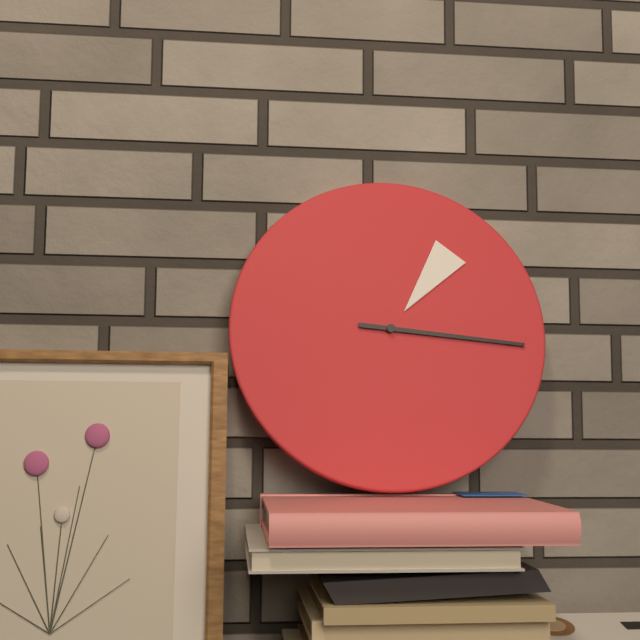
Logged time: 1,16
